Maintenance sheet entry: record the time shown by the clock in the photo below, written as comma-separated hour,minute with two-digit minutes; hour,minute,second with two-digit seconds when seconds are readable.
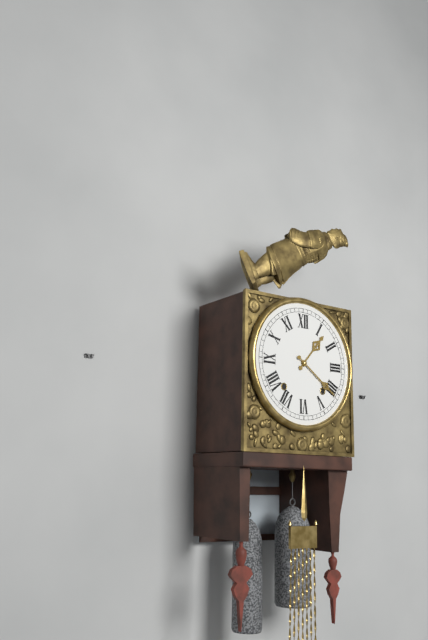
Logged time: 1,21
